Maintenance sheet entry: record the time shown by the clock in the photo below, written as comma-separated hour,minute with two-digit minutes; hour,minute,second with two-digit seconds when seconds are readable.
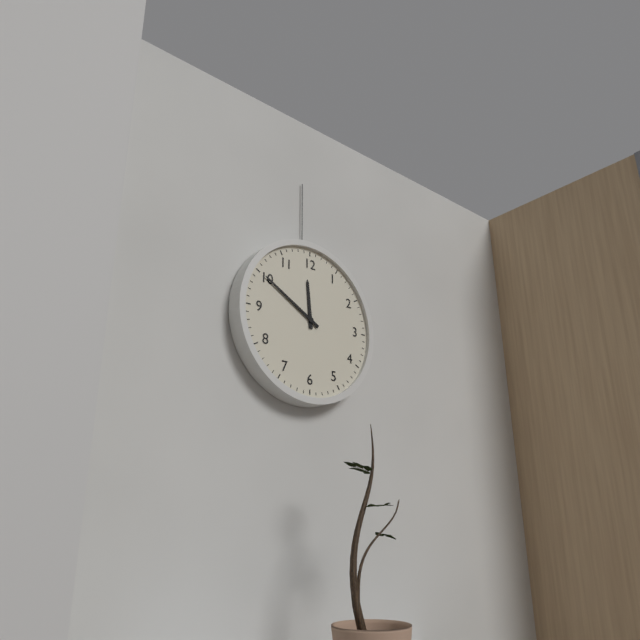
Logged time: 11,50
